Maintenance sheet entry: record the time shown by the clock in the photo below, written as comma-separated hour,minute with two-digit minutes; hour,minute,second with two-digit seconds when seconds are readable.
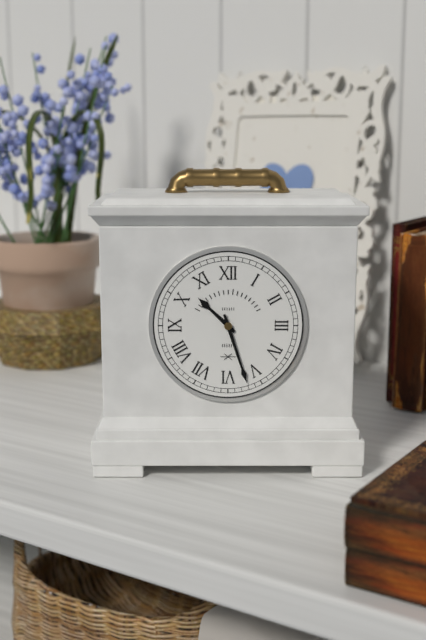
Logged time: 10,27
